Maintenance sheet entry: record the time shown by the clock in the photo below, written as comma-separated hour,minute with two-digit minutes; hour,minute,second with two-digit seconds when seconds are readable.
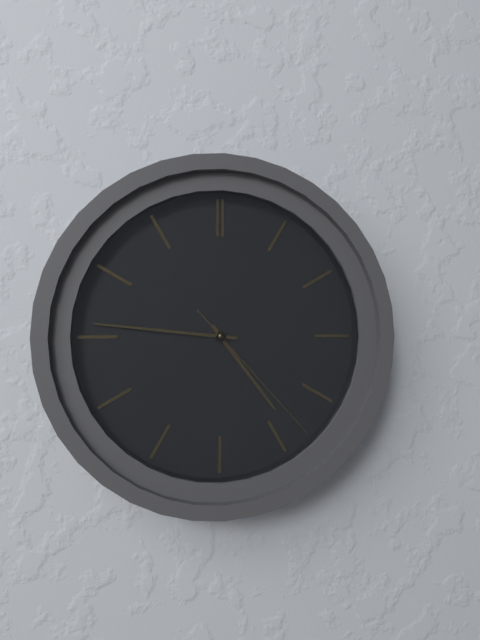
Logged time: 4,46,23
